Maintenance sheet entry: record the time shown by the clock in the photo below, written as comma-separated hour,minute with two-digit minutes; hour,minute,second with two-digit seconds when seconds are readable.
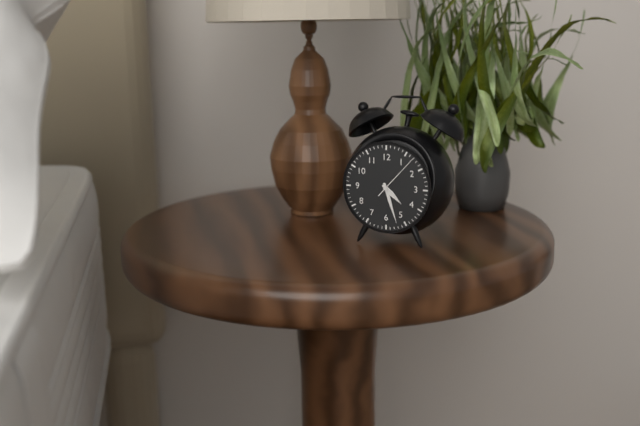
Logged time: 4,27
